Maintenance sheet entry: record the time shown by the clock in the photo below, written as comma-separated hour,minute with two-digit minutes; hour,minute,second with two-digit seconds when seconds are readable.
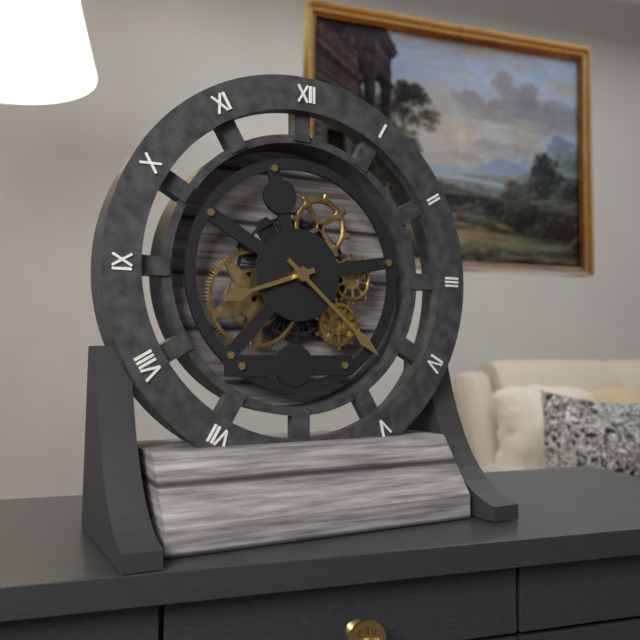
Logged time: 8,22
